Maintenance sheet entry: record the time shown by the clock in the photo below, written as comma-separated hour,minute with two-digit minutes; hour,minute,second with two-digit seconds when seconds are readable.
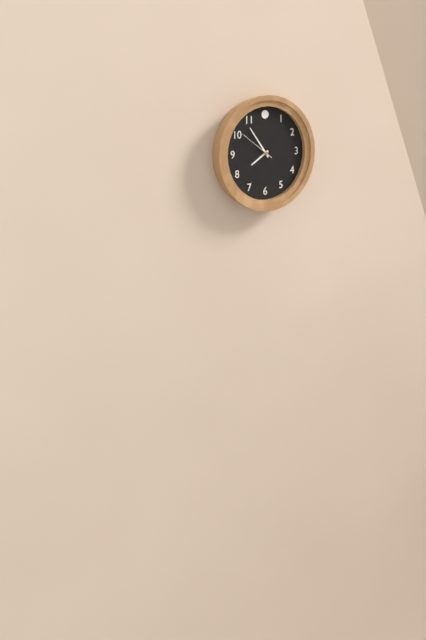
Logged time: 7,54
